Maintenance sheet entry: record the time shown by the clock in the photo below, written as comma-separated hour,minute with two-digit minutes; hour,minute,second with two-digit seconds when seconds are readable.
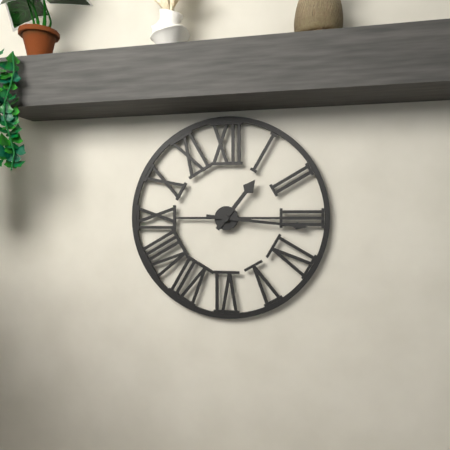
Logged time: 1,16
